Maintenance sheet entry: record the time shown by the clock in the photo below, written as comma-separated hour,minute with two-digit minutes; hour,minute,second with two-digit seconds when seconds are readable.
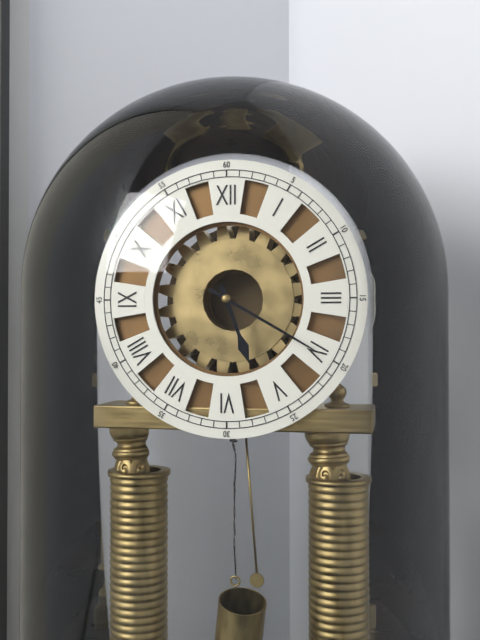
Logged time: 5,20
